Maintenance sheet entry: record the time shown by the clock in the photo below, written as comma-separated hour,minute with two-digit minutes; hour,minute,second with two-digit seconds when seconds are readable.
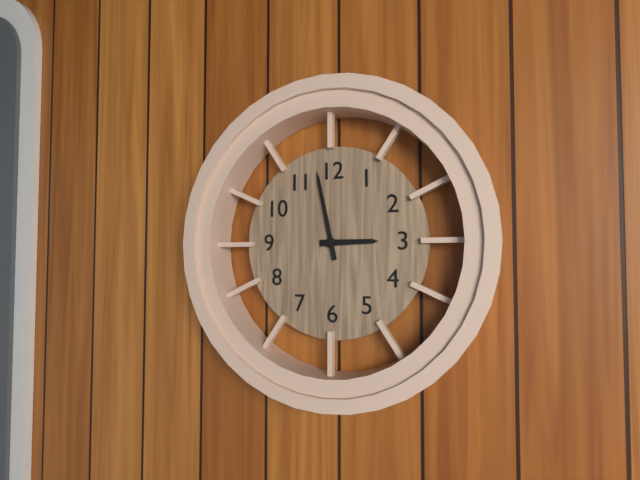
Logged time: 2,58
